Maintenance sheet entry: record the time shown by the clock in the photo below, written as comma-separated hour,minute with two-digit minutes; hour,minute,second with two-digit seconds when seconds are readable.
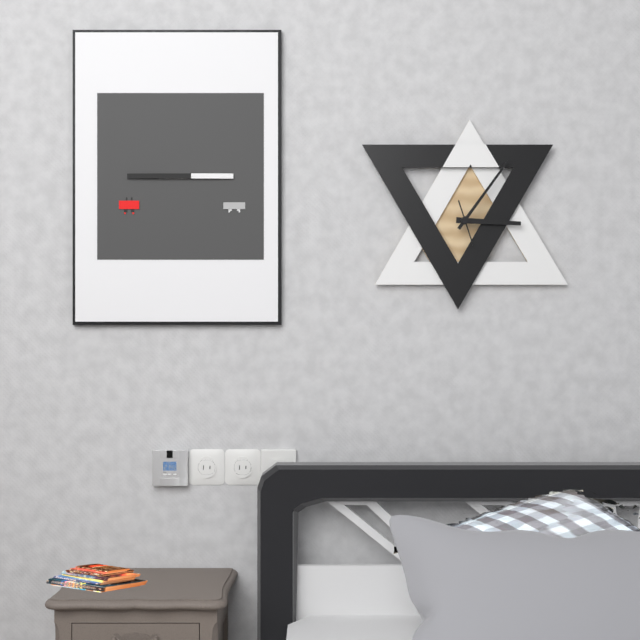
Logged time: 3,06
